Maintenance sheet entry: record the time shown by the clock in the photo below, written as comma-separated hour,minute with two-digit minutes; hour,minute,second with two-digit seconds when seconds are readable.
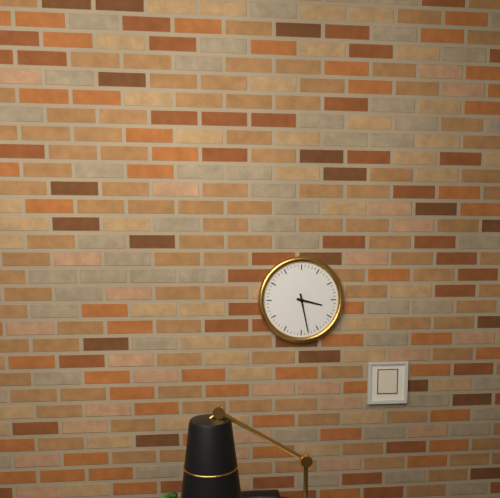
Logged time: 3,28
